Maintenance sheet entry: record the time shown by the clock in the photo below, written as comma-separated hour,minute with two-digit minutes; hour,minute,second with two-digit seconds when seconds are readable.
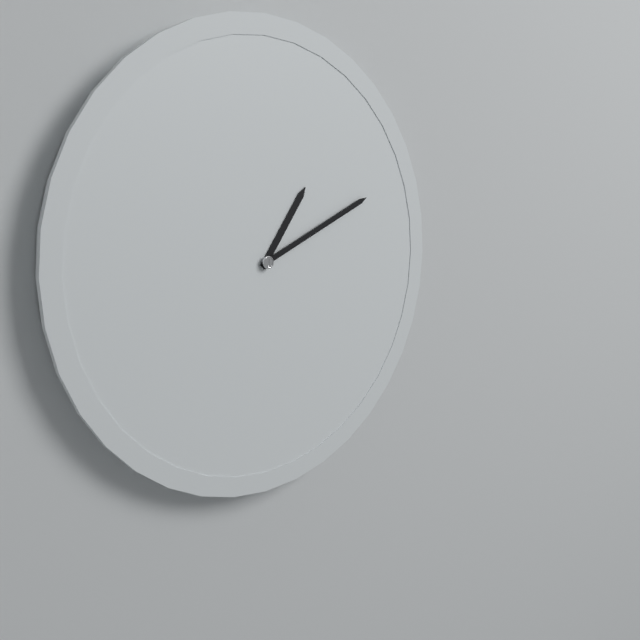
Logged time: 1,11
